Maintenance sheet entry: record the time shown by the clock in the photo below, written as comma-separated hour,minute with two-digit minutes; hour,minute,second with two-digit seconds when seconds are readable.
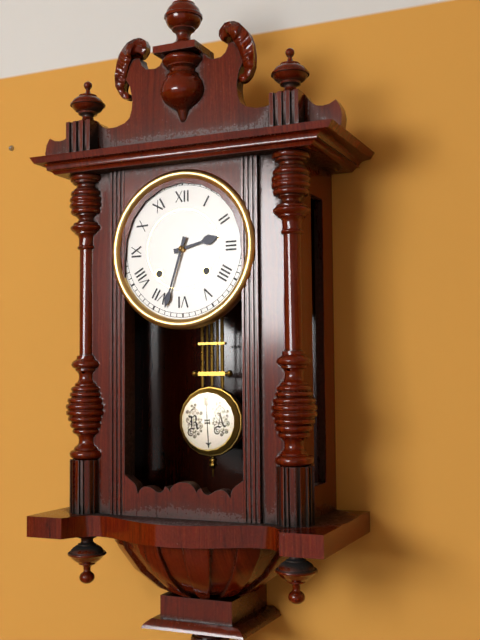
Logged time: 2,33
